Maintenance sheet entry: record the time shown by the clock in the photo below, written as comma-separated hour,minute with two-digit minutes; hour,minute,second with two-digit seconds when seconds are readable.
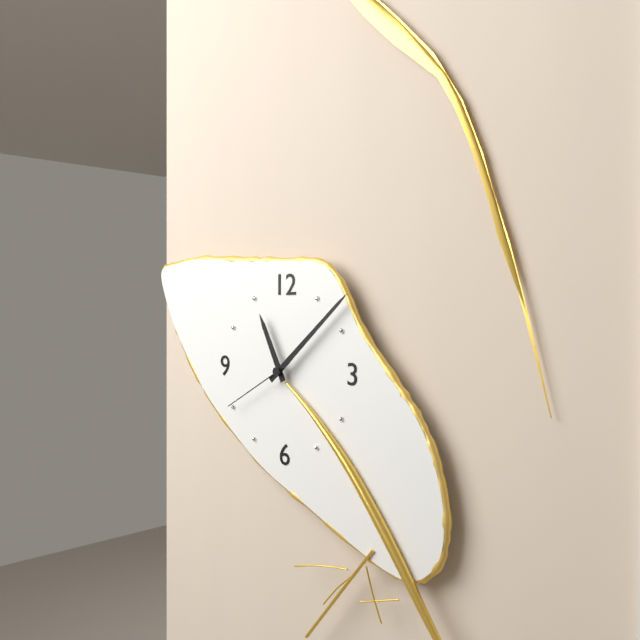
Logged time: 11,08,40
